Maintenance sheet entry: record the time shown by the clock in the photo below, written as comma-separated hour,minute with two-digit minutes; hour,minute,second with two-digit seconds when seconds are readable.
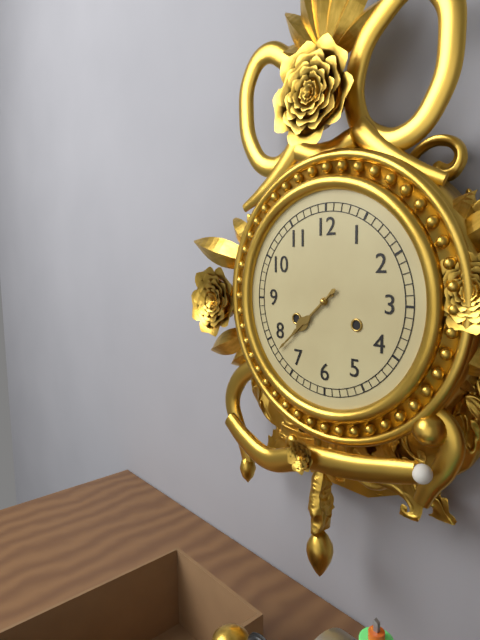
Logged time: 7,38
